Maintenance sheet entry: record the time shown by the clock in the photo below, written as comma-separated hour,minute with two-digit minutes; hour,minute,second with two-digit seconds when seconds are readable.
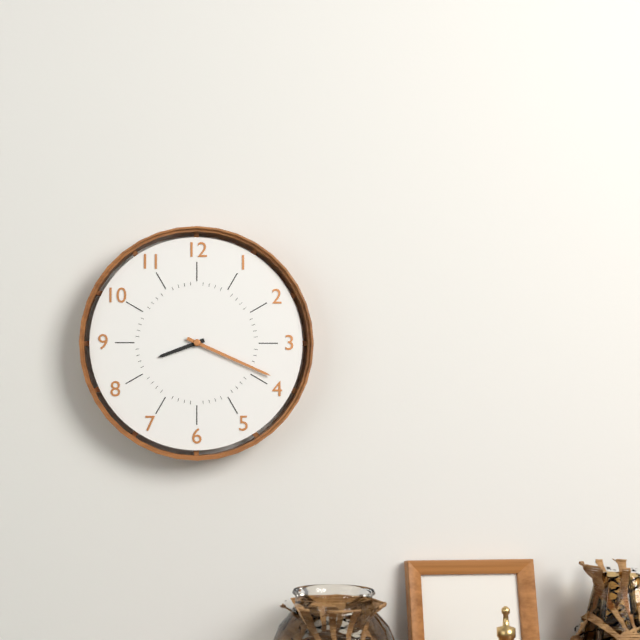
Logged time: 8,19
